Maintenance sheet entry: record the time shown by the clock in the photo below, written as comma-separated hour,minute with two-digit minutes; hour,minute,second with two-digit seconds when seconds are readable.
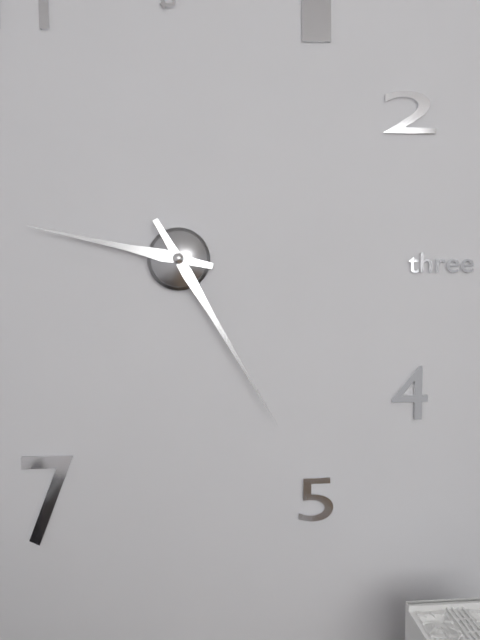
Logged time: 9,25
